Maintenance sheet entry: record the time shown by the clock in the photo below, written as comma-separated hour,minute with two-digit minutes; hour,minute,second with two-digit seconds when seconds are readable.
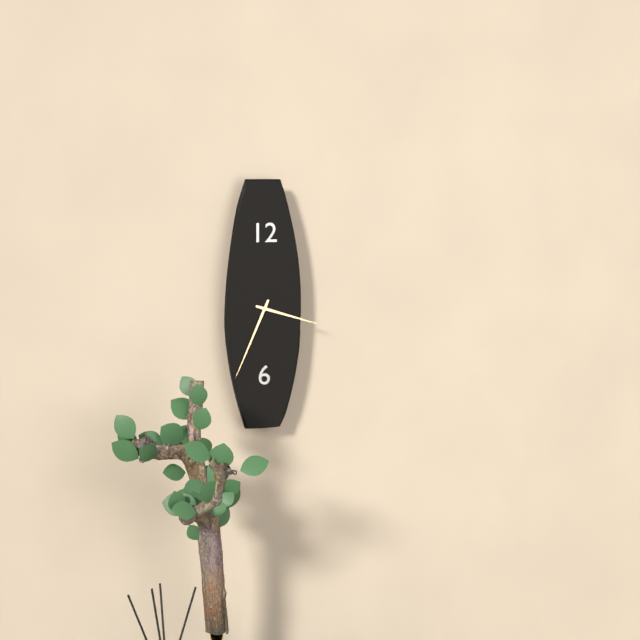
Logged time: 3,34
